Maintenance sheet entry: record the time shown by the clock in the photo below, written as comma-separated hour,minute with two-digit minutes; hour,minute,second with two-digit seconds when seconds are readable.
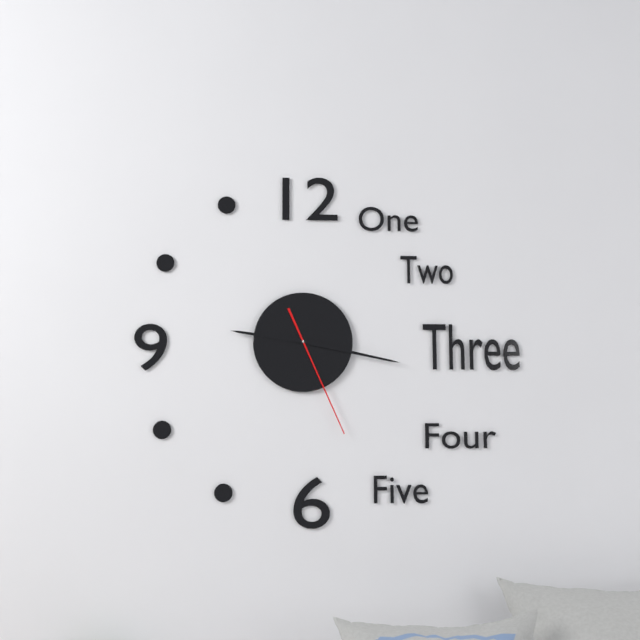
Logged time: 9,17,26
